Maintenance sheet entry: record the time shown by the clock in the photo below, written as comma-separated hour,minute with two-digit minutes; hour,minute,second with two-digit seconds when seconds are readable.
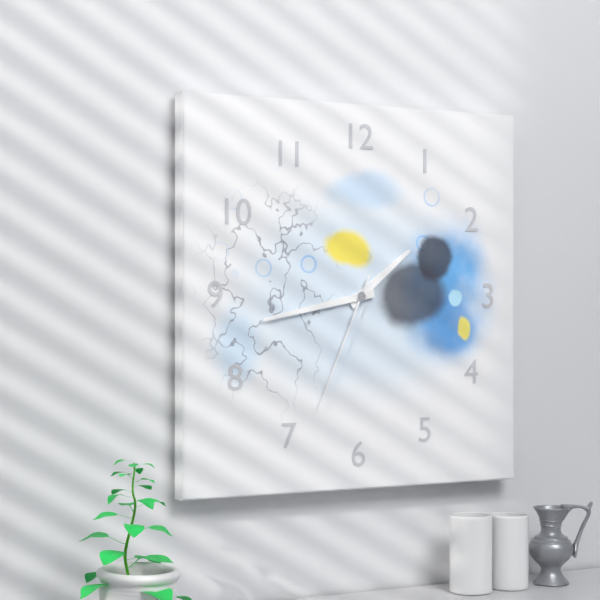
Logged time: 1,43,34
